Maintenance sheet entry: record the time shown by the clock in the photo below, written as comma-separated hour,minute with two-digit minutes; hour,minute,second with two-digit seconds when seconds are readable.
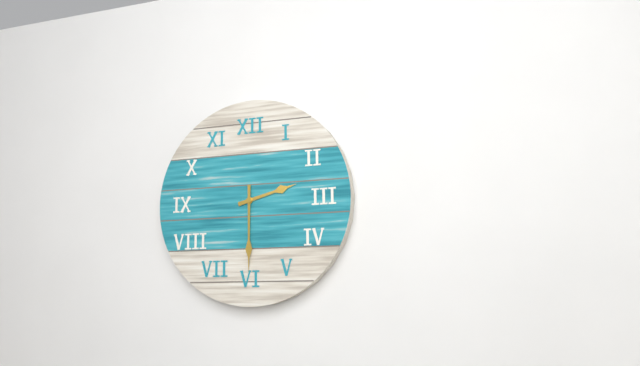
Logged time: 2,30
